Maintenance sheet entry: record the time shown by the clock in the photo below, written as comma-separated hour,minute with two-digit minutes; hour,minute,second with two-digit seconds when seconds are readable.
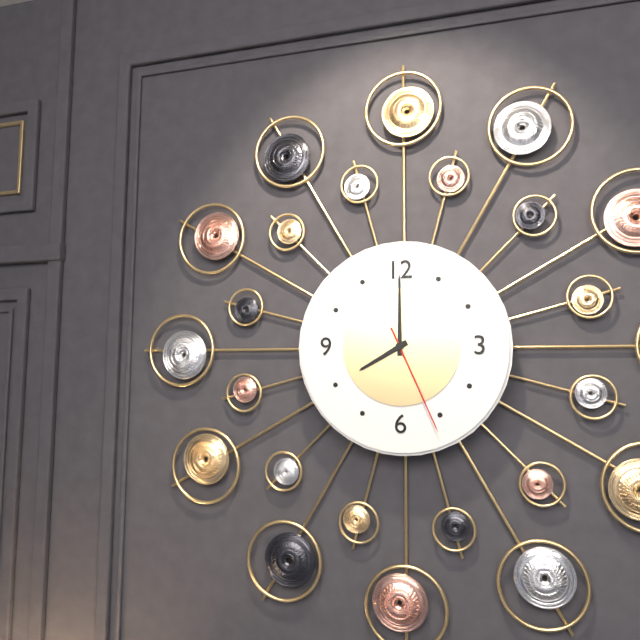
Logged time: 8,00,26
